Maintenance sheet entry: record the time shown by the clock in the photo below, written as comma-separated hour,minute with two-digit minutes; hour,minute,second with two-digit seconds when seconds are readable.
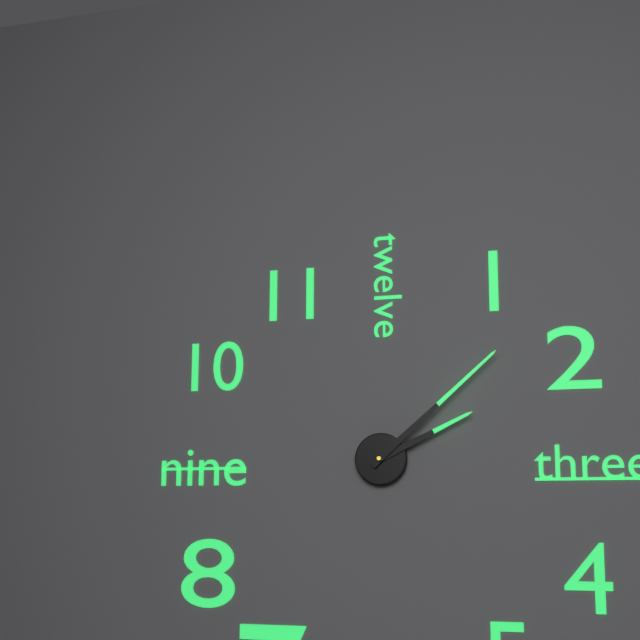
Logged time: 2,08
